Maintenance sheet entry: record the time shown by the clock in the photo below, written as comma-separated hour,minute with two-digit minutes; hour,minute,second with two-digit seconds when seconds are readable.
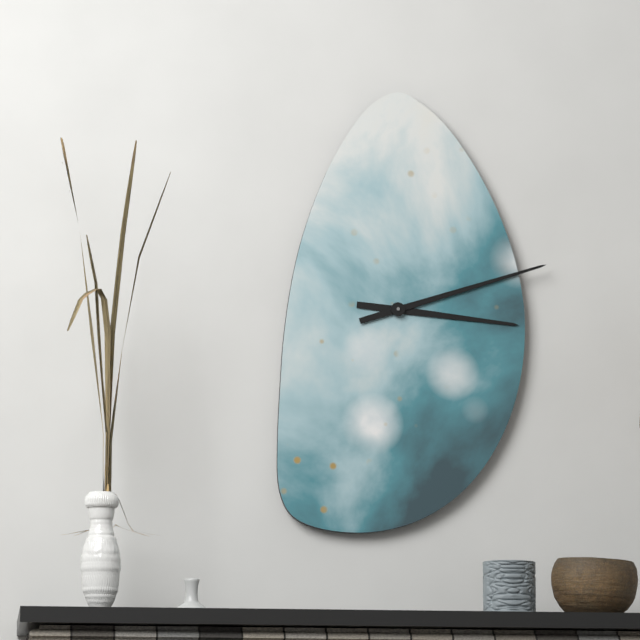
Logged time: 3,12
